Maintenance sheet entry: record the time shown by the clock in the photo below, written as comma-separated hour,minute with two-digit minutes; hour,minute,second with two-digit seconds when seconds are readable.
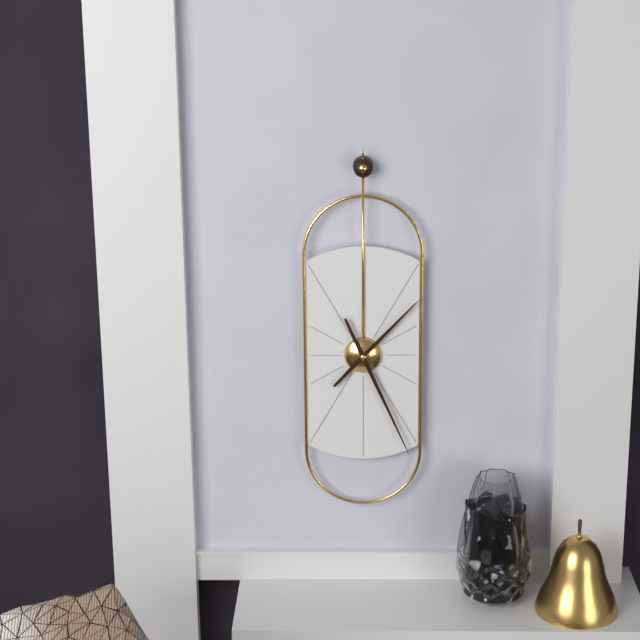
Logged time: 1,26
